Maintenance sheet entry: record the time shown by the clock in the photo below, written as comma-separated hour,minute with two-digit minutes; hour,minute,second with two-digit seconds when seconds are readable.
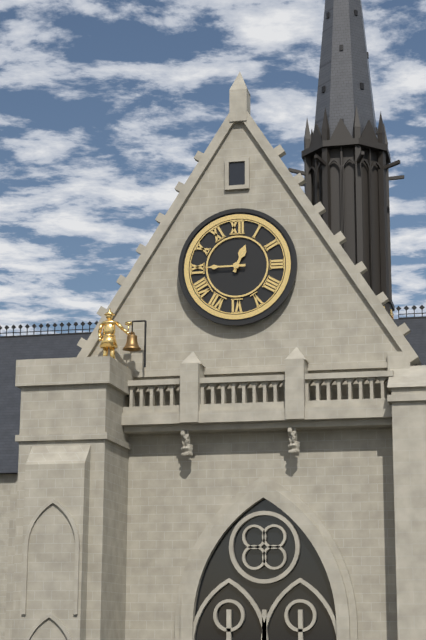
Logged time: 12,45
